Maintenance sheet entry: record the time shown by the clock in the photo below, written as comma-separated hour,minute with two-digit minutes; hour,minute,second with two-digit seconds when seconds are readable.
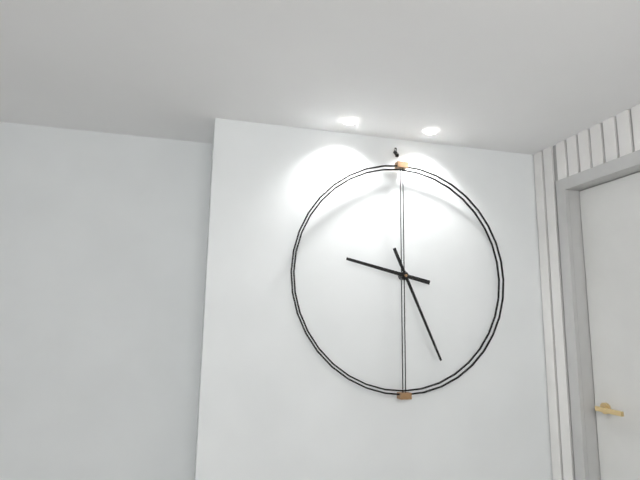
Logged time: 9,26
